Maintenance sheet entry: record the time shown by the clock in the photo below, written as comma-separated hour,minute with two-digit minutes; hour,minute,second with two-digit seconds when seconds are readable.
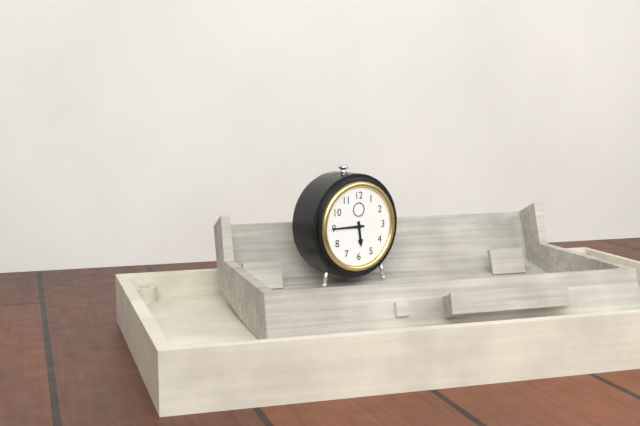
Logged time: 5,45
